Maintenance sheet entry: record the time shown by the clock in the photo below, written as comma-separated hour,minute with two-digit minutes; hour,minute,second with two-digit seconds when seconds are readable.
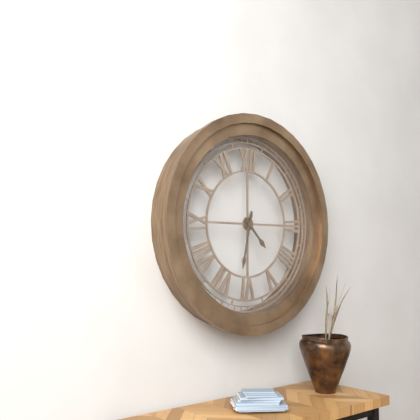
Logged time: 4,32
